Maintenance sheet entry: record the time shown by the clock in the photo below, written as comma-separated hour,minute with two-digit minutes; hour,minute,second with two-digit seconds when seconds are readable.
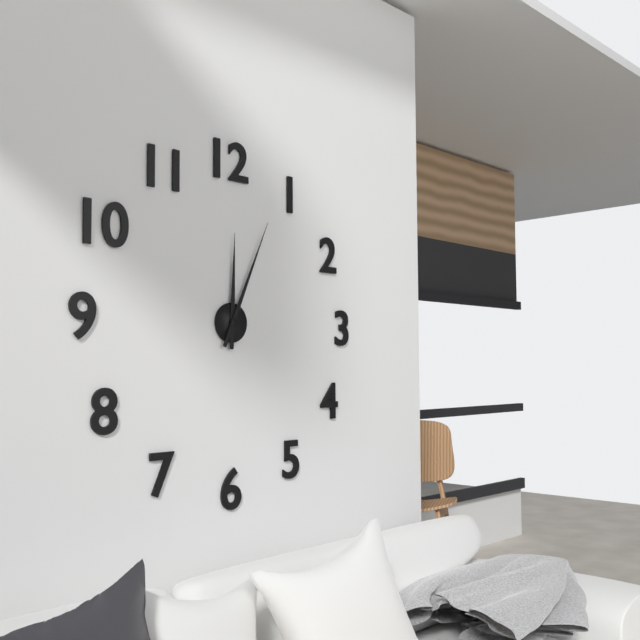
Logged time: 12,04
